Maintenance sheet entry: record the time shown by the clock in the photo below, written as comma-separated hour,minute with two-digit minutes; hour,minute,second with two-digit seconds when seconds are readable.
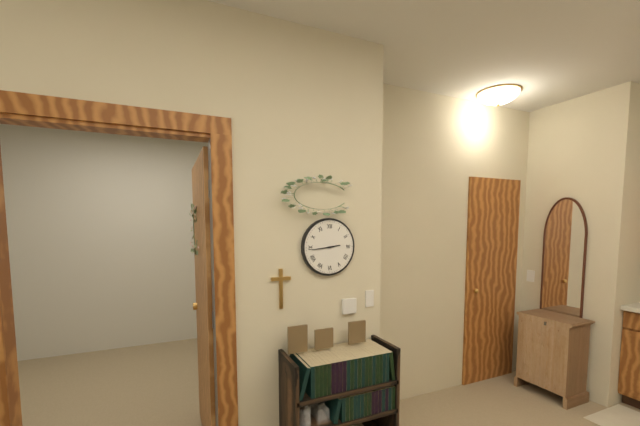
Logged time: 2,44
